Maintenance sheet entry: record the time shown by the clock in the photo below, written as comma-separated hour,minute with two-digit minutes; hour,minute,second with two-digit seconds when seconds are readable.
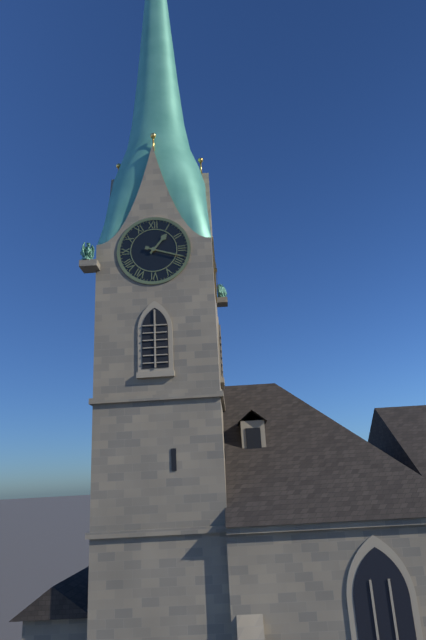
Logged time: 1,18
